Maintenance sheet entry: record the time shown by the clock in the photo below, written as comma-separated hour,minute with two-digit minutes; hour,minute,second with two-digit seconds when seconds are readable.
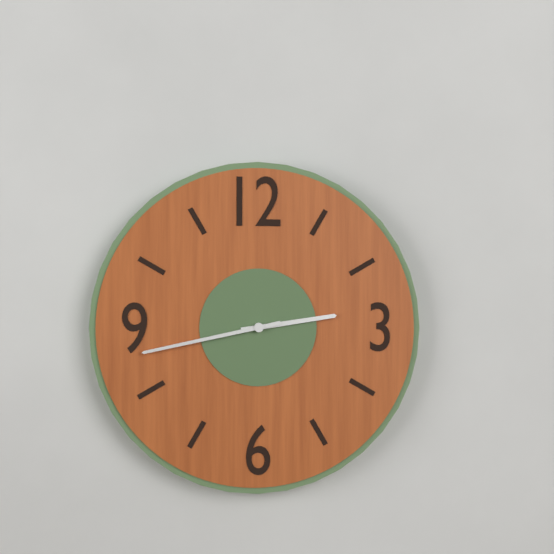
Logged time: 2,43
